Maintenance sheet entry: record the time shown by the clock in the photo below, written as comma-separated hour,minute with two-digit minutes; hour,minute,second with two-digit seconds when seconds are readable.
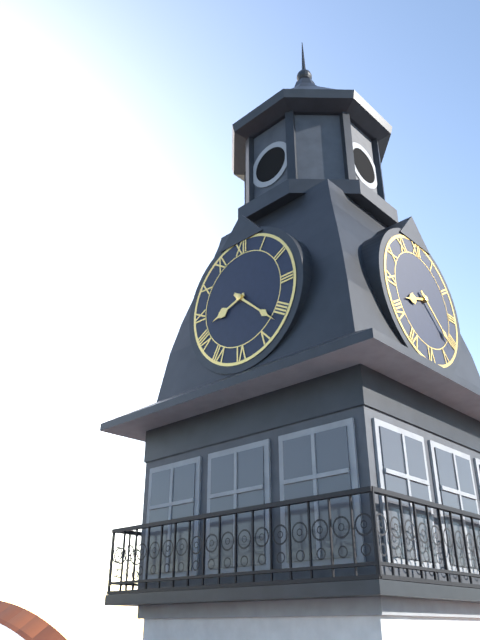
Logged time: 8,22
